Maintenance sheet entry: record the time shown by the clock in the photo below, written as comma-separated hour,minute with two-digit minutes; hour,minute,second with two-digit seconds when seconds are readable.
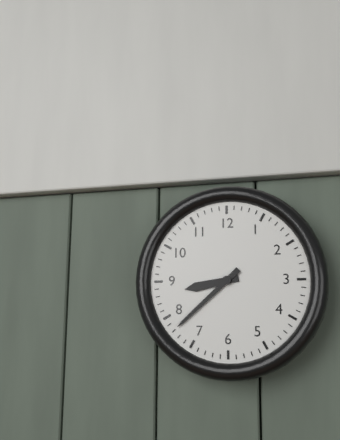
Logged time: 8,38
